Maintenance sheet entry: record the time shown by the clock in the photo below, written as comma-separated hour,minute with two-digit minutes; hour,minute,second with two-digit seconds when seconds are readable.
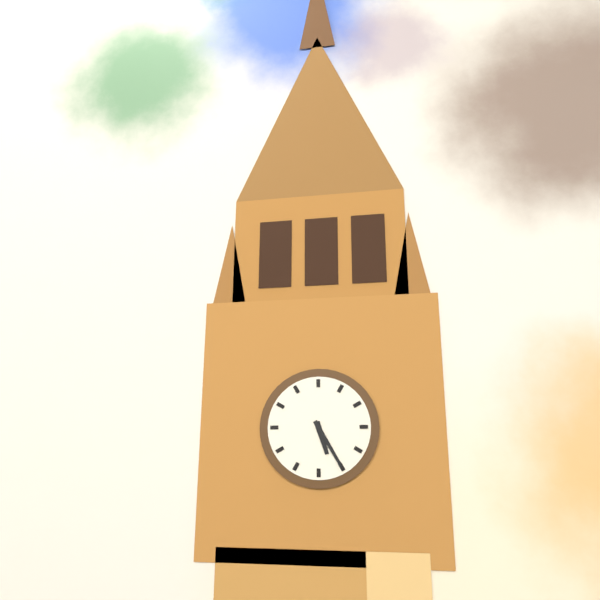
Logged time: 5,25
